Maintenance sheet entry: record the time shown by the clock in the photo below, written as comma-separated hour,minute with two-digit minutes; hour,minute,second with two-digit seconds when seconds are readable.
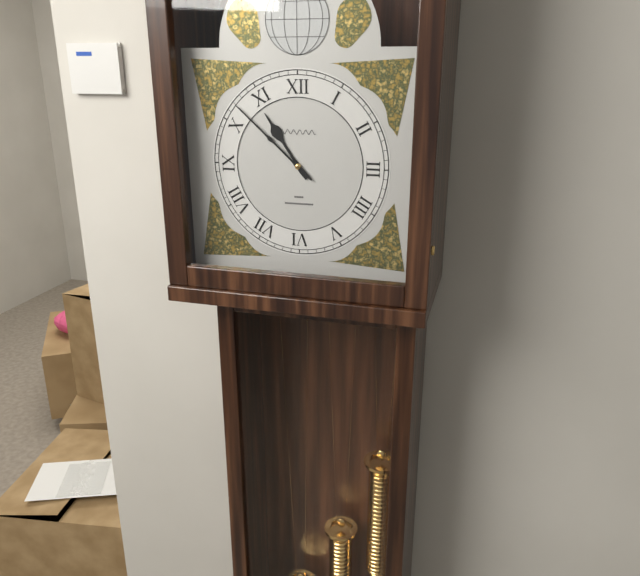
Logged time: 10,52
